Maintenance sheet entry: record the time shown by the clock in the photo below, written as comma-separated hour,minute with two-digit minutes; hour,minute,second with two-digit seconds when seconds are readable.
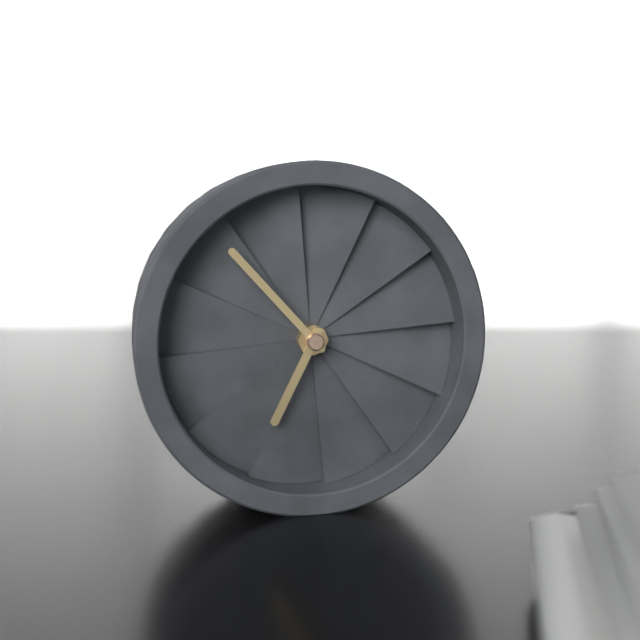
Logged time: 6,53
